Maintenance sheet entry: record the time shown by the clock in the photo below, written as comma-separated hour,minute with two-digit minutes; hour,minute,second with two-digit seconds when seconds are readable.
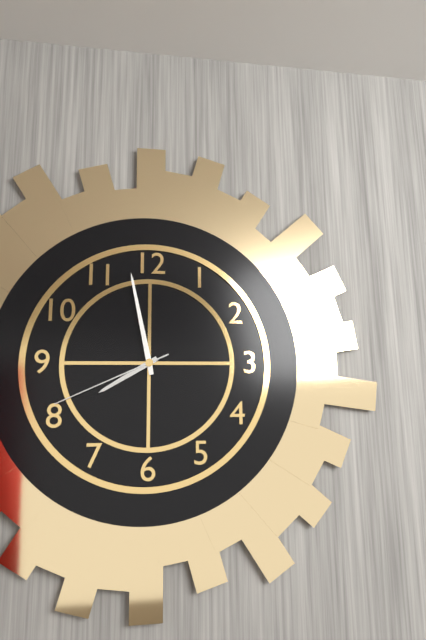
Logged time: 7,58,41
